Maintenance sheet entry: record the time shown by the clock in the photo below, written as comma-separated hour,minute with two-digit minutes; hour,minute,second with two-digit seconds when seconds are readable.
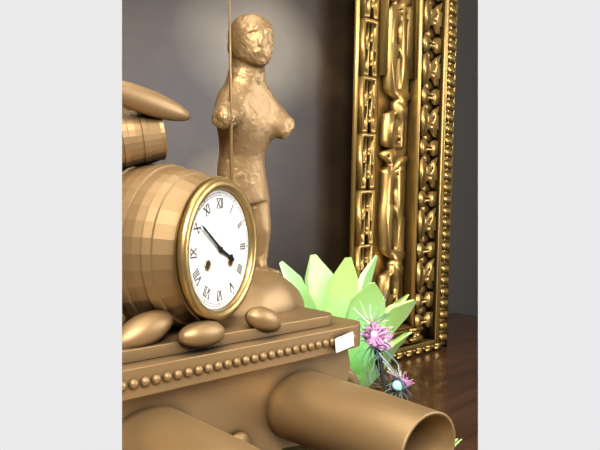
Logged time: 3,51
